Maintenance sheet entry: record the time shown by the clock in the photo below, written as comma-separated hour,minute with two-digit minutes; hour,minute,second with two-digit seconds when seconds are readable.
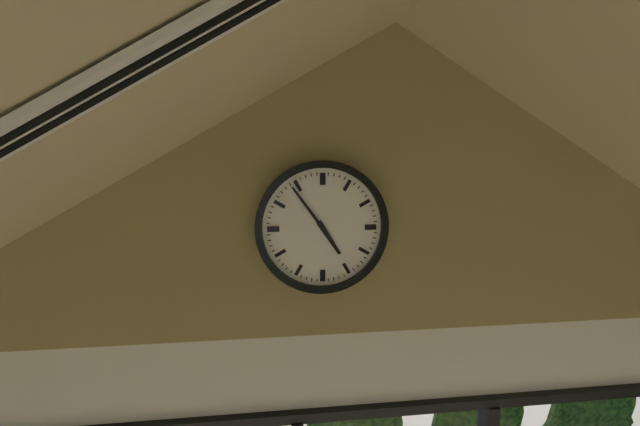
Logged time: 4,54
